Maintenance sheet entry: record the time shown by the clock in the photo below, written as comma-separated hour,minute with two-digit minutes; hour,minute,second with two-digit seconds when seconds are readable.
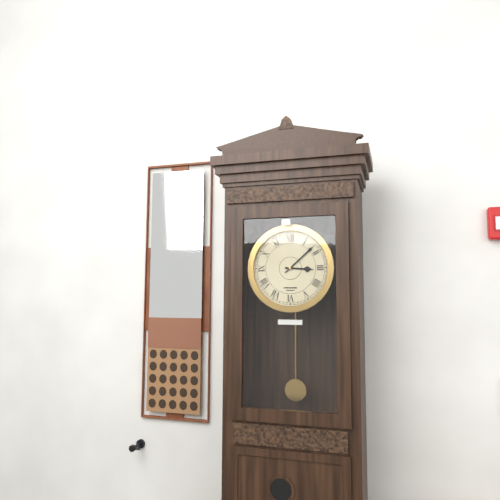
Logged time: 3,08
